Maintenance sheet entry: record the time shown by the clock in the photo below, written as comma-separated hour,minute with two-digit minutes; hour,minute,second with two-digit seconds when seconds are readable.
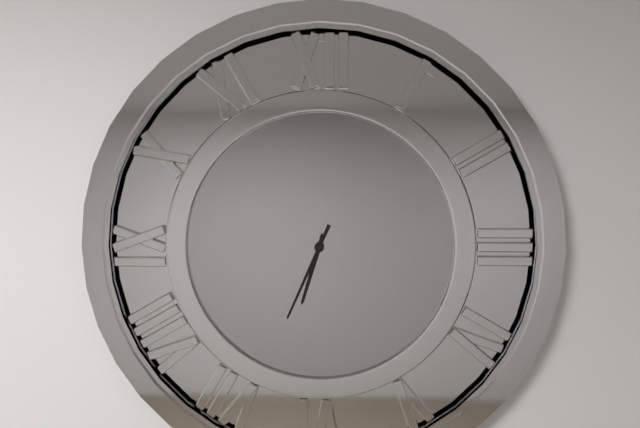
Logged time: 6,34
